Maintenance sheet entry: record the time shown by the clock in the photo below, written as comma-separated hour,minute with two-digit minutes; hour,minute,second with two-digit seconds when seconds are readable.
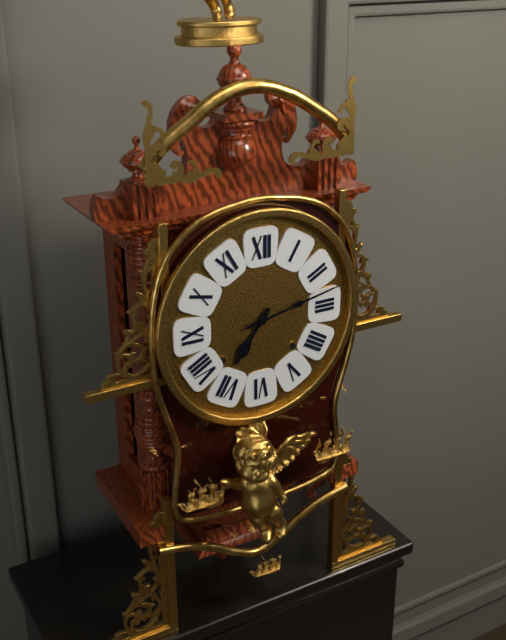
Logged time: 7,13
